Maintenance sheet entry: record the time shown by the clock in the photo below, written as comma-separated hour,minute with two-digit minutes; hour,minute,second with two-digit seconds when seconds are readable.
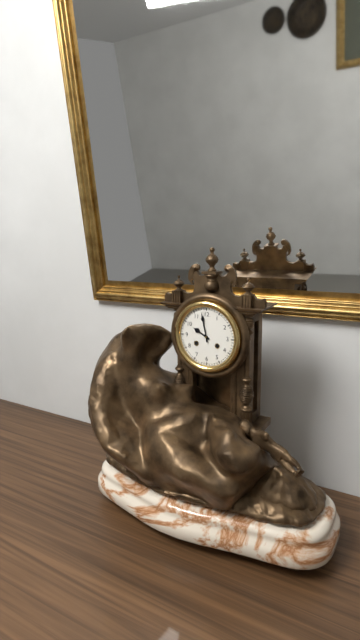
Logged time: 9,58
